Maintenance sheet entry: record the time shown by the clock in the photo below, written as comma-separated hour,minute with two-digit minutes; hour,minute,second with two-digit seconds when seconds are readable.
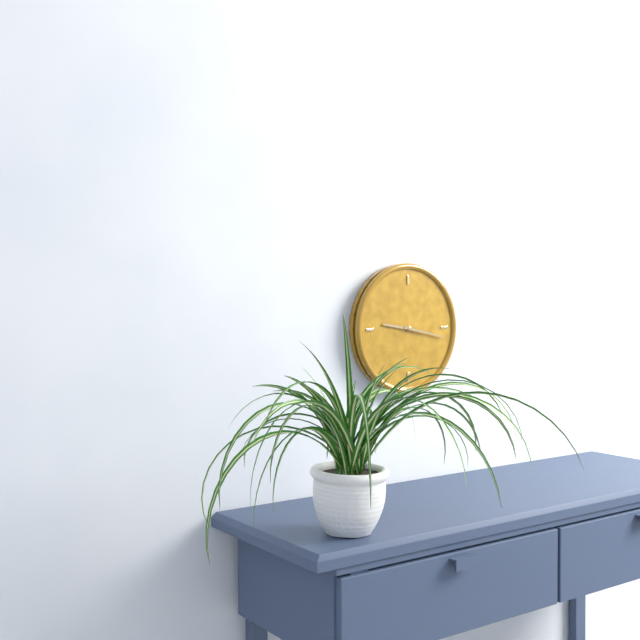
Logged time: 9,17
